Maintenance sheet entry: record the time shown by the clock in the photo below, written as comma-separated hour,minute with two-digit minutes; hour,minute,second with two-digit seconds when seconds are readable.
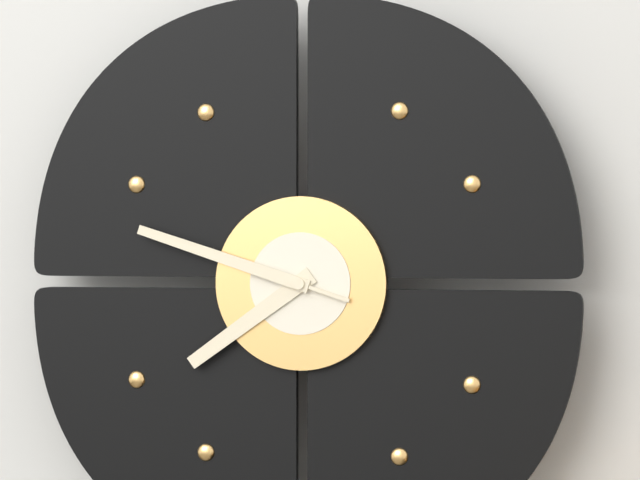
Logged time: 7,48
